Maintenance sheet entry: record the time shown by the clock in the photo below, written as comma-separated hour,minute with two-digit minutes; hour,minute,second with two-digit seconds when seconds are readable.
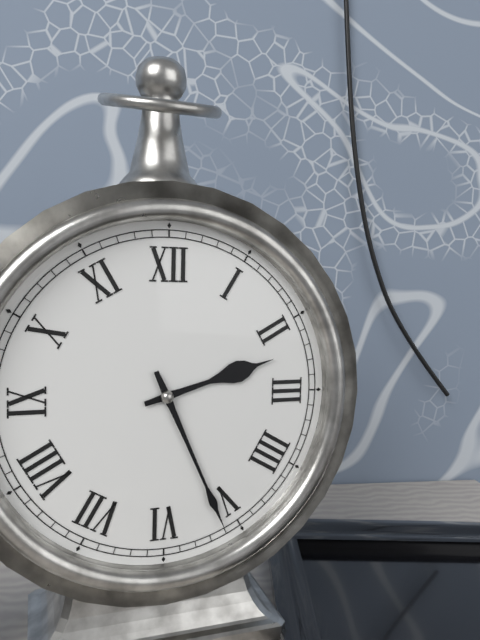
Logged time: 2,26
